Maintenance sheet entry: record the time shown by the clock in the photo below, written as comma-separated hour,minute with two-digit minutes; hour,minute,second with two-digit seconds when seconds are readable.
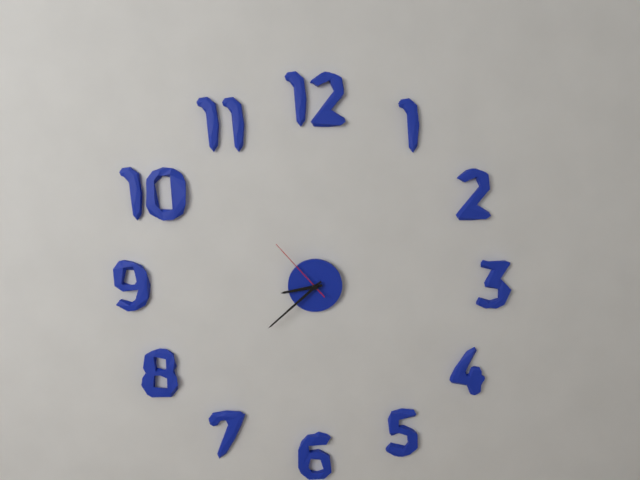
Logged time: 8,38,53
